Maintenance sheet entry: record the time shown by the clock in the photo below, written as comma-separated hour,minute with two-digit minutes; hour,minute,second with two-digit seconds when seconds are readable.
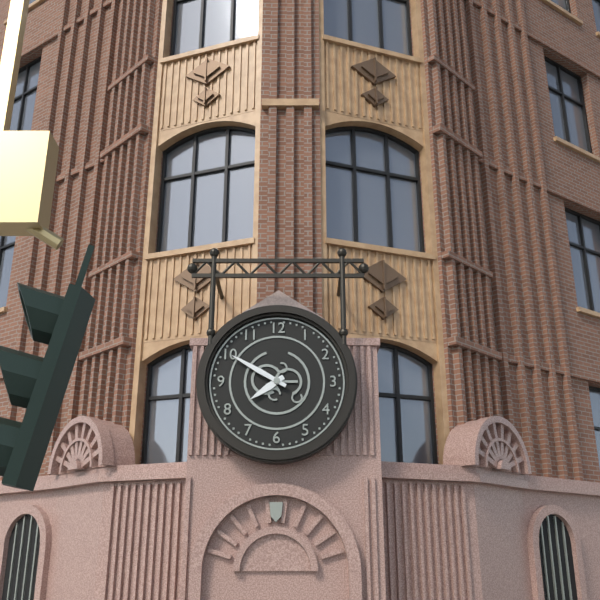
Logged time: 7,50
